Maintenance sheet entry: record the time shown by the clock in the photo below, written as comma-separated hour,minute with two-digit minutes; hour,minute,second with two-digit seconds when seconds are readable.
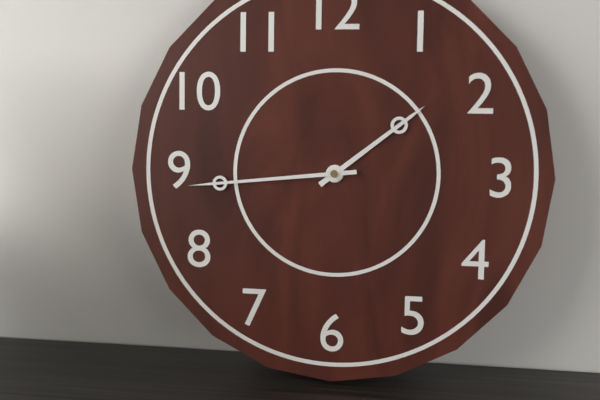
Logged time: 1,44
